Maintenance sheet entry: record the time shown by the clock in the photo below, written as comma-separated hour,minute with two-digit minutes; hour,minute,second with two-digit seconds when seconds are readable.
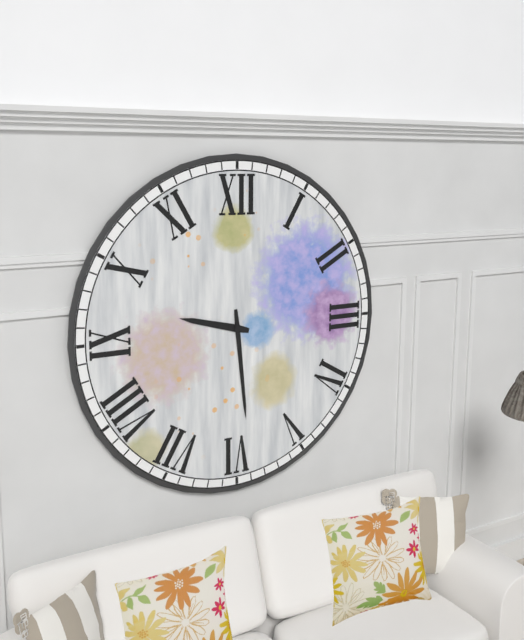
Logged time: 9,29
